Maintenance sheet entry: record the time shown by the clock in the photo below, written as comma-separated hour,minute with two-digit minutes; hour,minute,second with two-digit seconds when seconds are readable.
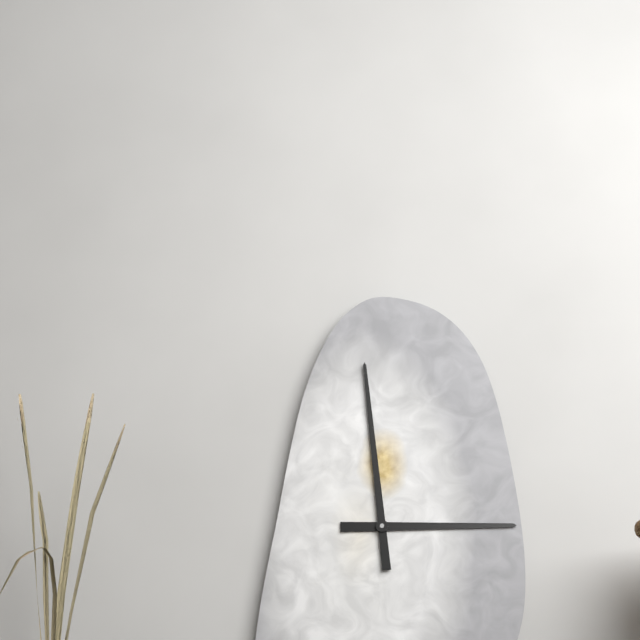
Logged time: 2,59
